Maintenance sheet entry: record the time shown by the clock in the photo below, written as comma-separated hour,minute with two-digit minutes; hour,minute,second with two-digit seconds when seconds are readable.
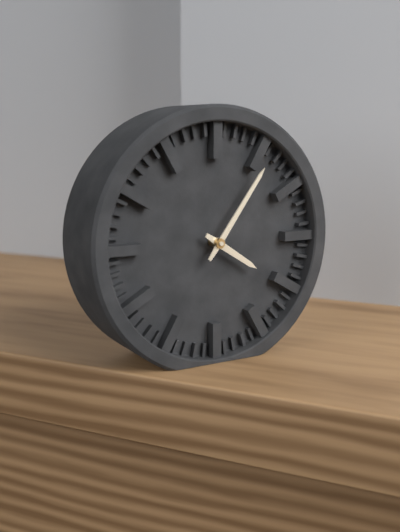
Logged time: 4,06
